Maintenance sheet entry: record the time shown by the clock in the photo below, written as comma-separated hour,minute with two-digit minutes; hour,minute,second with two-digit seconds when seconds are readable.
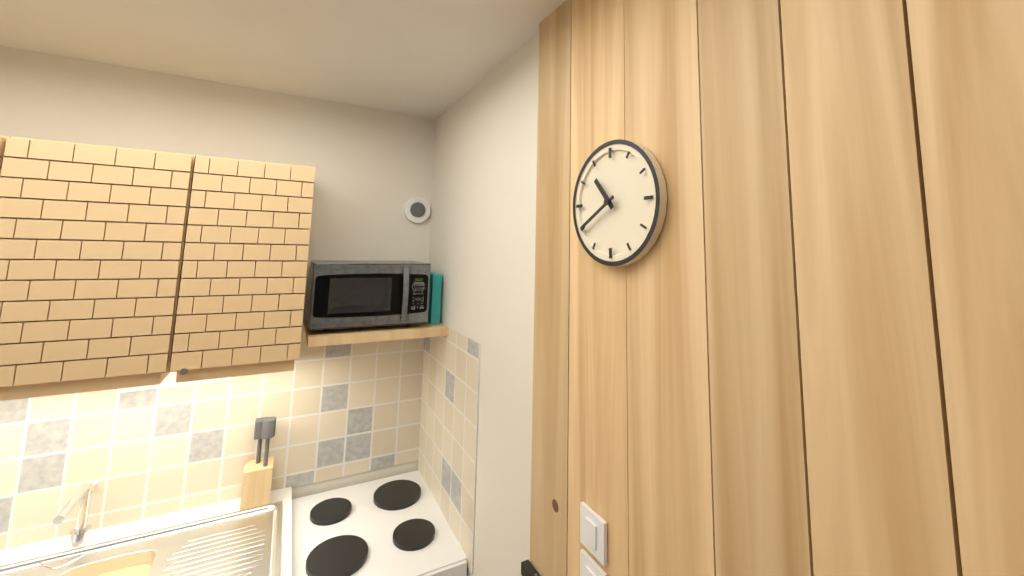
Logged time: 10,40
